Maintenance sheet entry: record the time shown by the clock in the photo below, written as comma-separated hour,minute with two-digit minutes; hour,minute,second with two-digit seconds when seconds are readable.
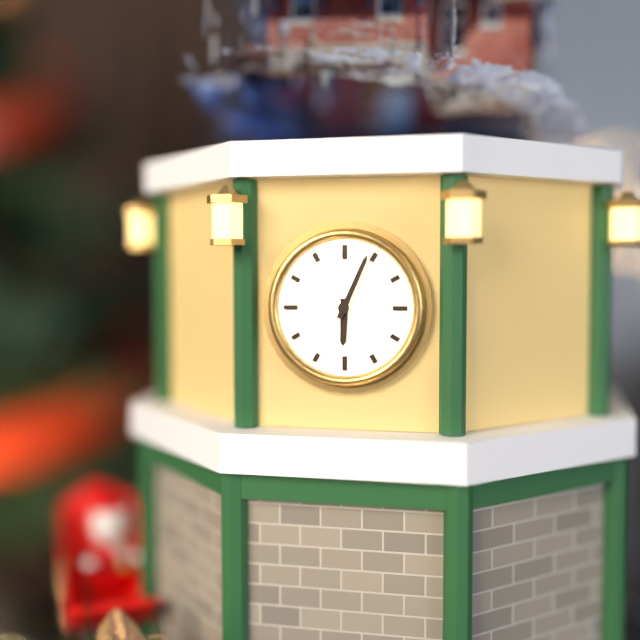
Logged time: 6,04
